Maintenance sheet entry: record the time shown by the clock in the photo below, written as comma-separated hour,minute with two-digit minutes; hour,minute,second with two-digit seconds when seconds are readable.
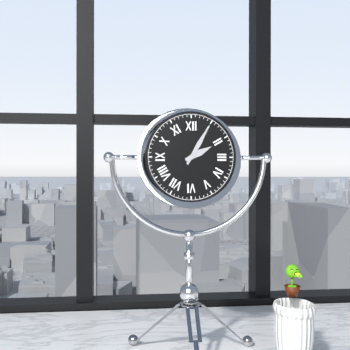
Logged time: 2,05
